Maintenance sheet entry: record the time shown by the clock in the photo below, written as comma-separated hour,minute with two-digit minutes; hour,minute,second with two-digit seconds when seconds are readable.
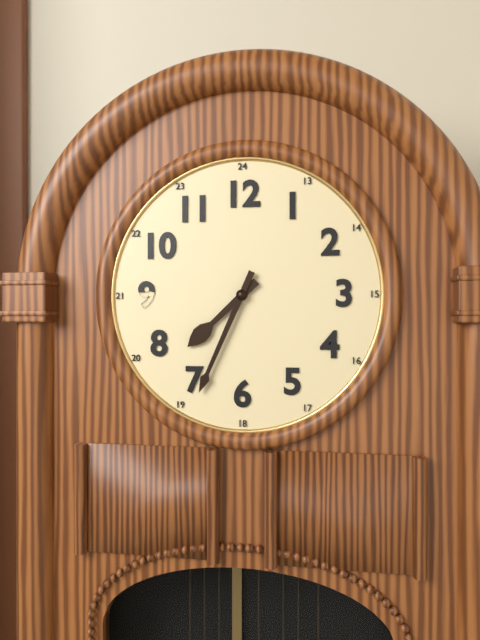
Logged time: 7,34
